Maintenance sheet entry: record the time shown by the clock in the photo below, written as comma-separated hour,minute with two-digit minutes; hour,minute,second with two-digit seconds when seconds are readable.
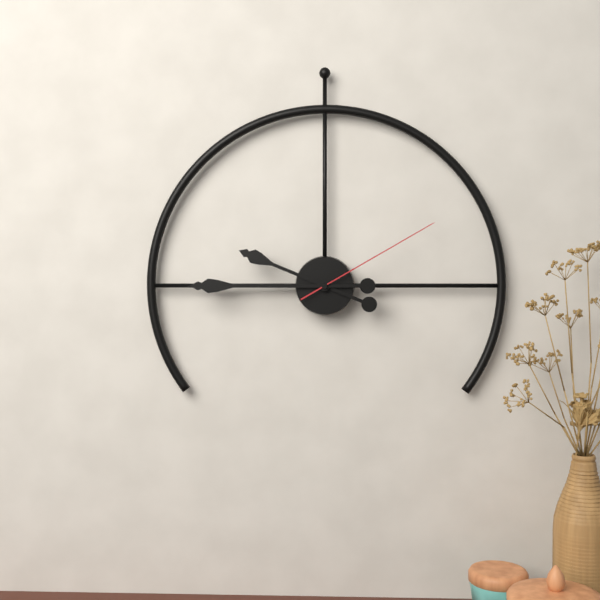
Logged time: 9,45,10
